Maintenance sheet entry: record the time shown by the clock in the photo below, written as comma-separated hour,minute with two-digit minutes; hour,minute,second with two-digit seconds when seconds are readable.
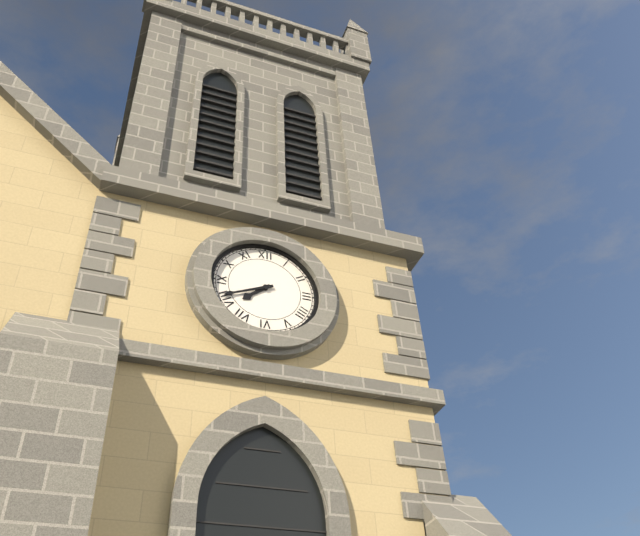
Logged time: 7,41
